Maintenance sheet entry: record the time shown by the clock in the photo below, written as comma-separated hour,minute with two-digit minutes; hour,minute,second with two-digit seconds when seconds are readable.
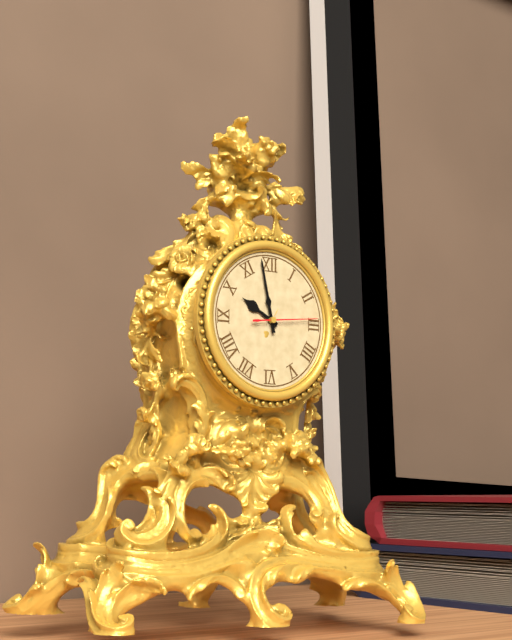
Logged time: 9,58,14
